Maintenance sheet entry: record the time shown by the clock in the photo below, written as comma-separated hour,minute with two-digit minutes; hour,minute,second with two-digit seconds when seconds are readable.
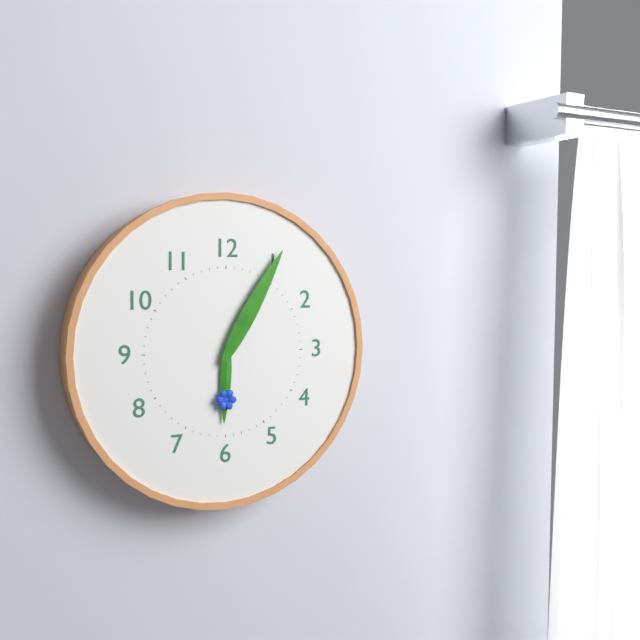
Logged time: 6,05
